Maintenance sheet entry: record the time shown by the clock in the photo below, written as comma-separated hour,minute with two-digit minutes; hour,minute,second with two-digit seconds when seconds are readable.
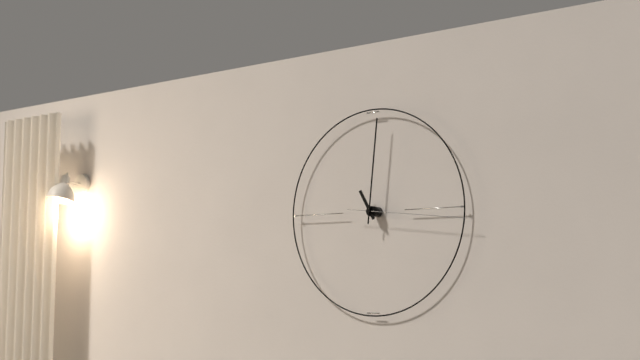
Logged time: 11,01,16
